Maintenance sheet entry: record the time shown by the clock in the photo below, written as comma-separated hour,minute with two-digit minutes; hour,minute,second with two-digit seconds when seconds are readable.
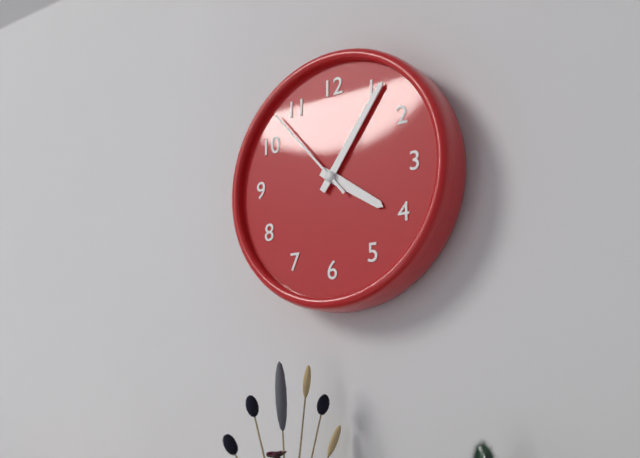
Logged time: 4,06,53
